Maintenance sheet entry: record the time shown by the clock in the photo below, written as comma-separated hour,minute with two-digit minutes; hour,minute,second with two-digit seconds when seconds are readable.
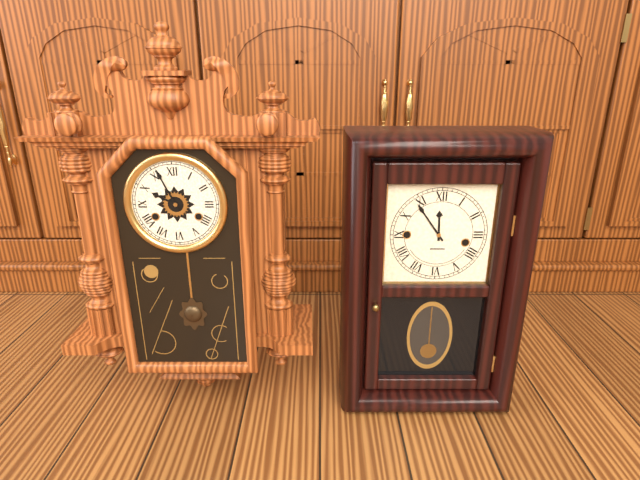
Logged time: 9,56
